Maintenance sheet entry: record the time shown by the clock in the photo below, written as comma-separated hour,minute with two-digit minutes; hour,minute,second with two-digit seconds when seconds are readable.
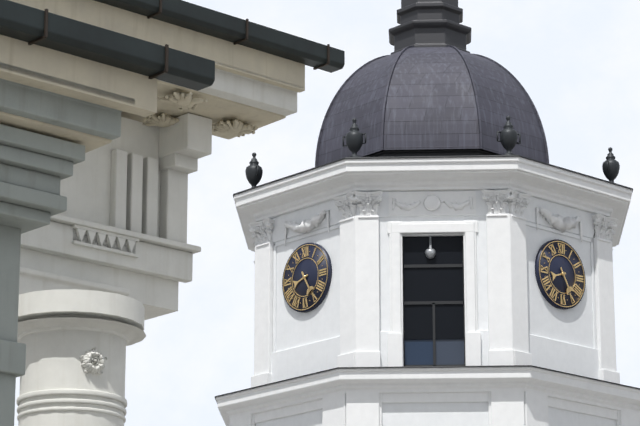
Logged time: 8,25
